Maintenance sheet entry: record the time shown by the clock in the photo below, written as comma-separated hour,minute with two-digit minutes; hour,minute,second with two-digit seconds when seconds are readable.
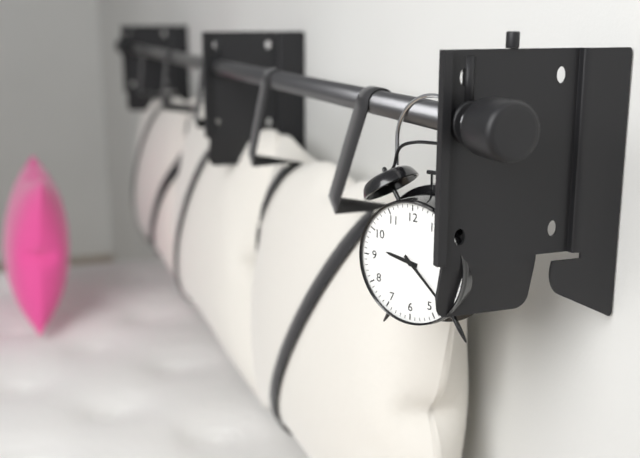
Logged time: 9,22
